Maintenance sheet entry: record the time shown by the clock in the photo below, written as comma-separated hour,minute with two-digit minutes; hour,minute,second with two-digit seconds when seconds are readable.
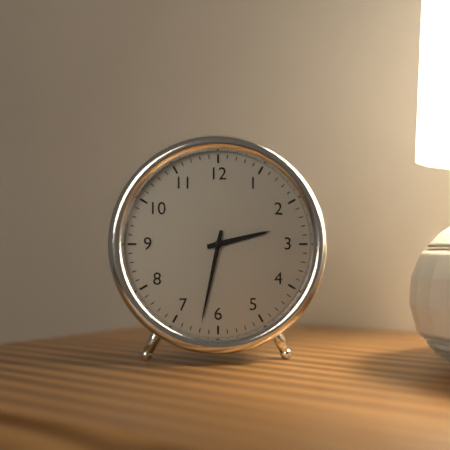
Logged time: 2,32
